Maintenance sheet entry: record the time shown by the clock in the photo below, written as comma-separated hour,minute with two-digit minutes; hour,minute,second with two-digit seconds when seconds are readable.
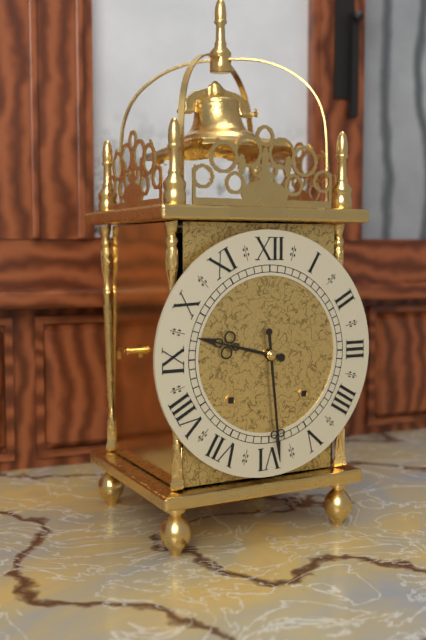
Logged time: 9,29
